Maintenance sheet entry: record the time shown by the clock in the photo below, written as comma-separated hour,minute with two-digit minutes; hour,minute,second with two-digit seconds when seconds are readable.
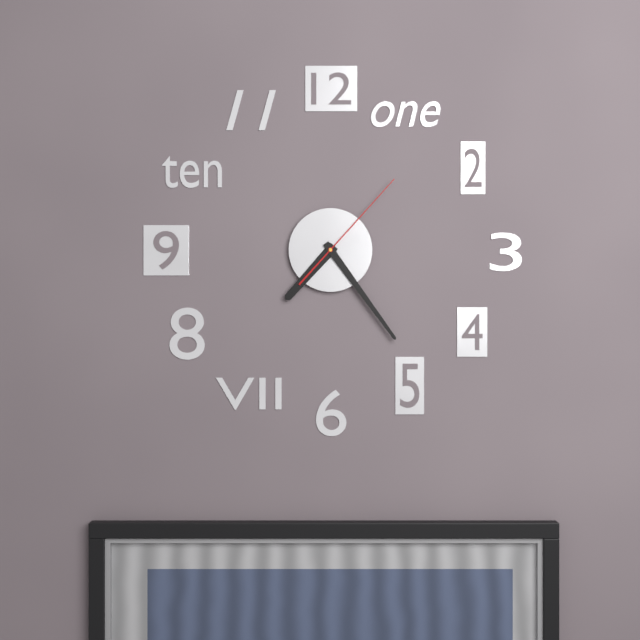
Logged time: 7,24,07
